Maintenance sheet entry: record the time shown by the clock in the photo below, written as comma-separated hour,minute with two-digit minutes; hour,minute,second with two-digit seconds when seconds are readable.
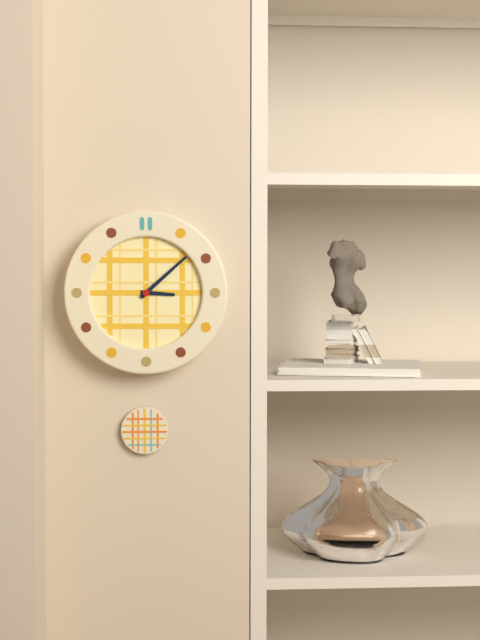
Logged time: 3,08
